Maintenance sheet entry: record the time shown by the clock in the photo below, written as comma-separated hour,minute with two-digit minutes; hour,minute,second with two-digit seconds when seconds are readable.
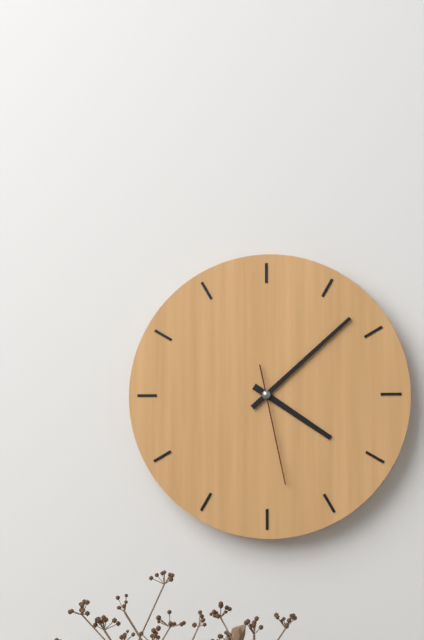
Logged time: 4,08,28
